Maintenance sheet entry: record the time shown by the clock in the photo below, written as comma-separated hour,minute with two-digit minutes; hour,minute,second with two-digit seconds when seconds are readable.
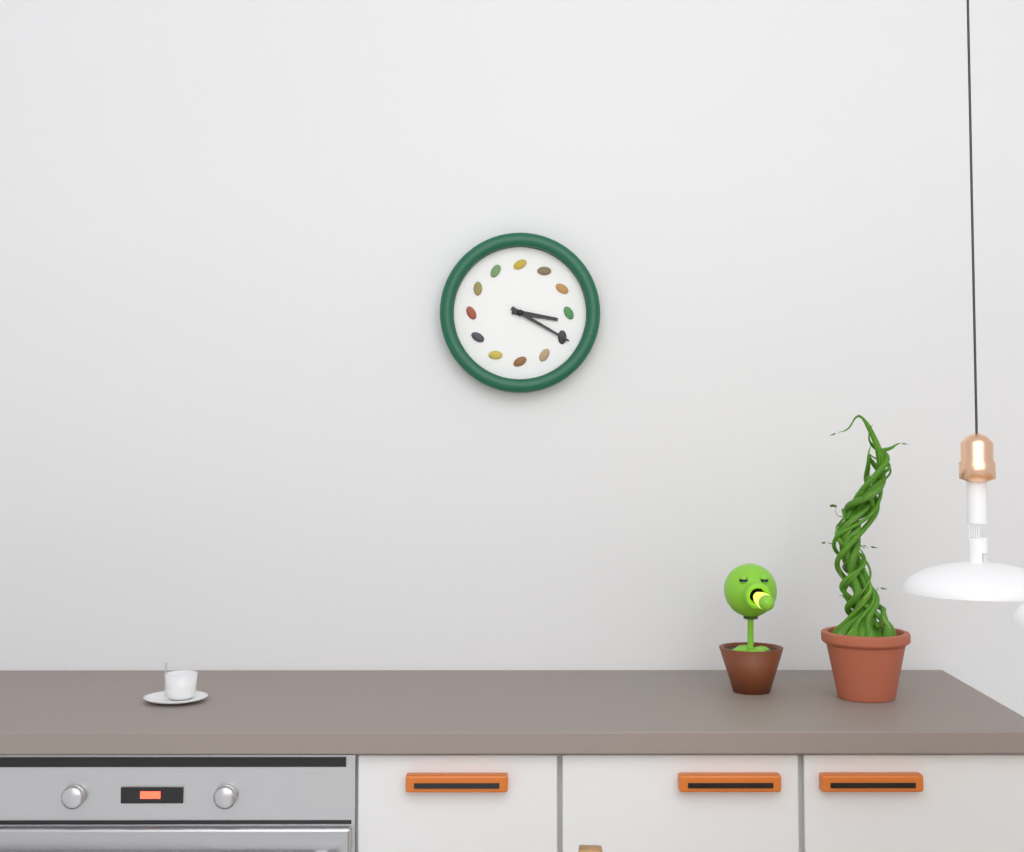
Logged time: 3,20
